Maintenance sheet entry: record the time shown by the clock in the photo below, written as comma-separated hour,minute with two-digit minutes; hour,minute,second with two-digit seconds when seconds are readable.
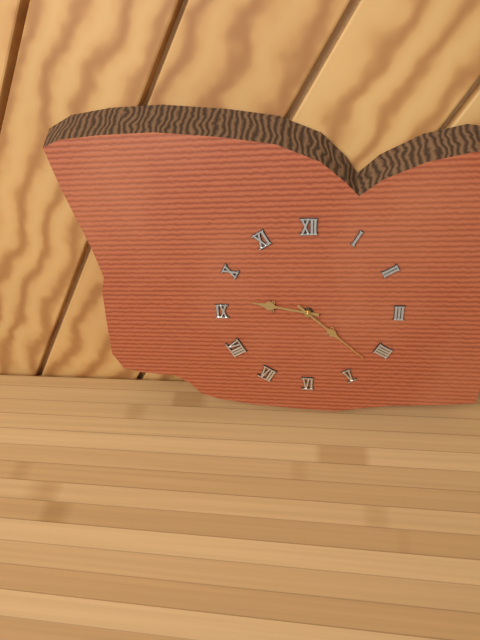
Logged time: 9,22
